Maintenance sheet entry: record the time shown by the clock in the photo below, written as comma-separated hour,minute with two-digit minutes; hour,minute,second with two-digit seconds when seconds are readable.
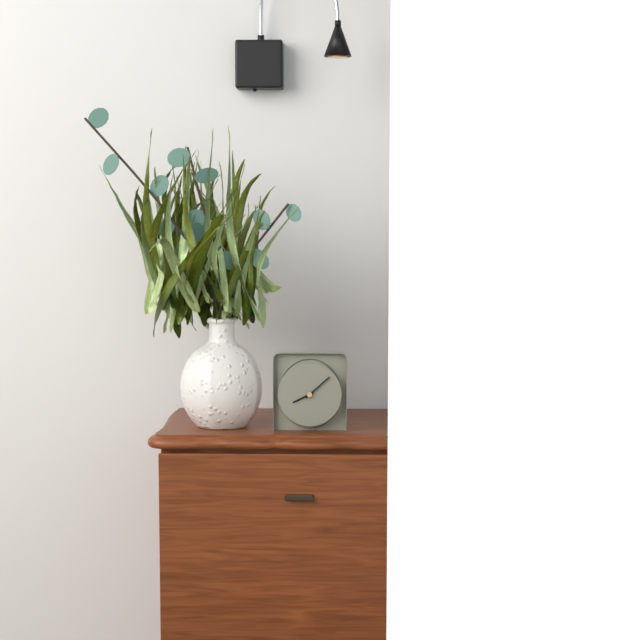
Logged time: 8,08
